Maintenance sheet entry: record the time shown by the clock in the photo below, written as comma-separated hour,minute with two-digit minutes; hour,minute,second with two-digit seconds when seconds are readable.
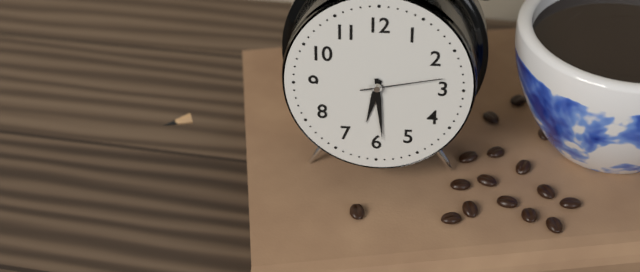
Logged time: 6,29,13
